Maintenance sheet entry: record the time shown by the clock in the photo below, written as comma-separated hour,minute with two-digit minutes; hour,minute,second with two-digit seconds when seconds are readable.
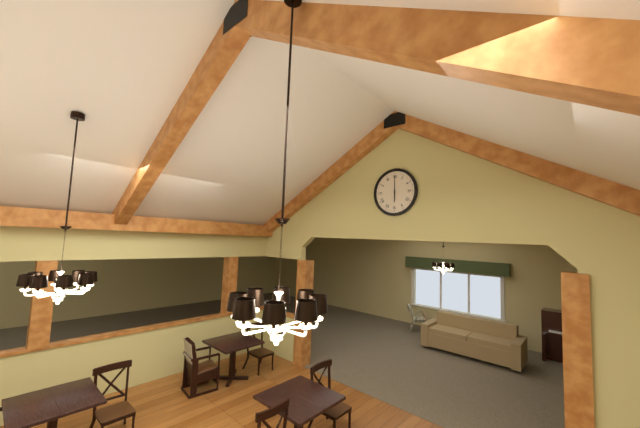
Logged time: 6,00
